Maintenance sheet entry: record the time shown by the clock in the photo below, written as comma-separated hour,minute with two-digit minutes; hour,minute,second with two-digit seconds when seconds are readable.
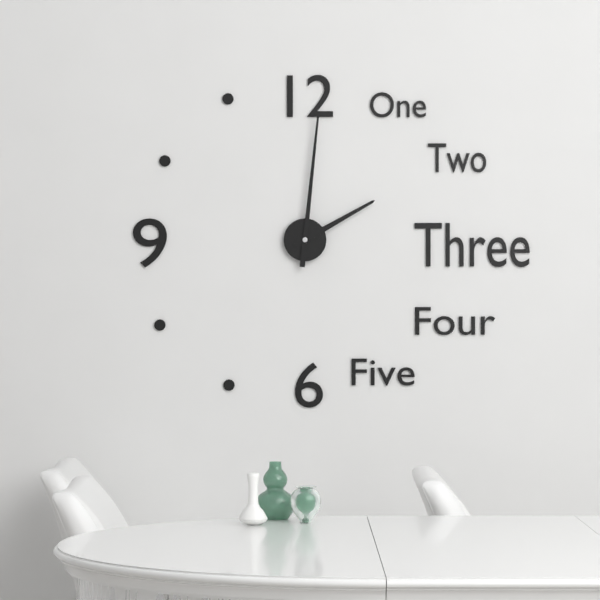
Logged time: 2,01
